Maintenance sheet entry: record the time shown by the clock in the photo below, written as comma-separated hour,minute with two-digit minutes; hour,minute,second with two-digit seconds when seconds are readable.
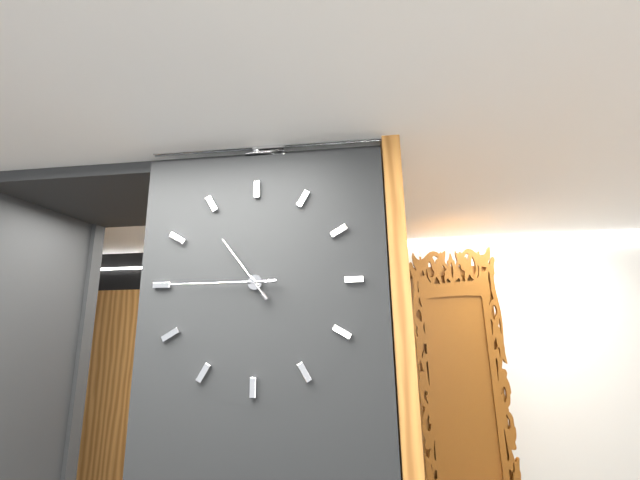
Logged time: 10,45
